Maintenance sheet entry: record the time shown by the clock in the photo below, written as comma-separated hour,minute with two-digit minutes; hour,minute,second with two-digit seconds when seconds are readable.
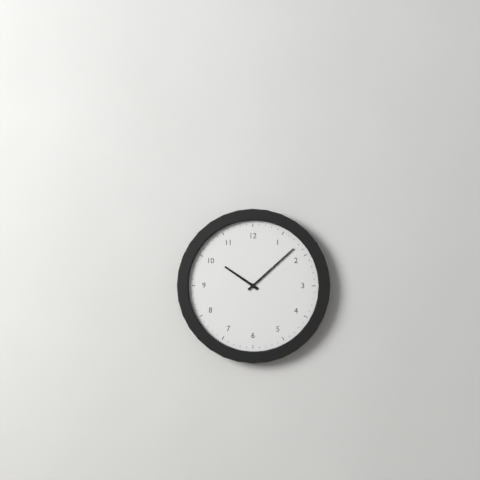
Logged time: 10,08
